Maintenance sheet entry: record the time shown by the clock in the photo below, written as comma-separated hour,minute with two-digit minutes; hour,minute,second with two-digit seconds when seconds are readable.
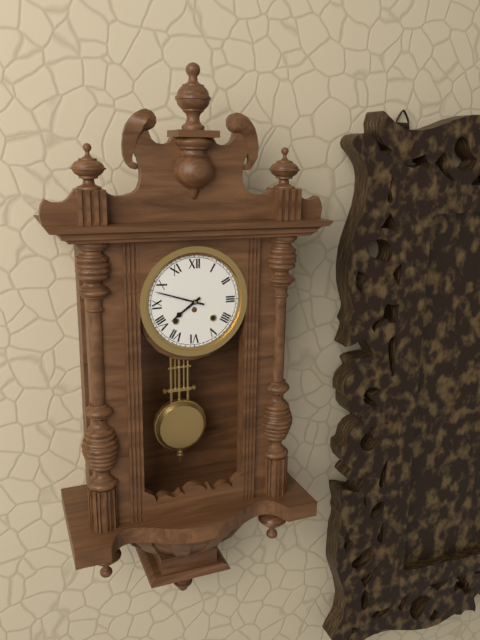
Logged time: 7,48
